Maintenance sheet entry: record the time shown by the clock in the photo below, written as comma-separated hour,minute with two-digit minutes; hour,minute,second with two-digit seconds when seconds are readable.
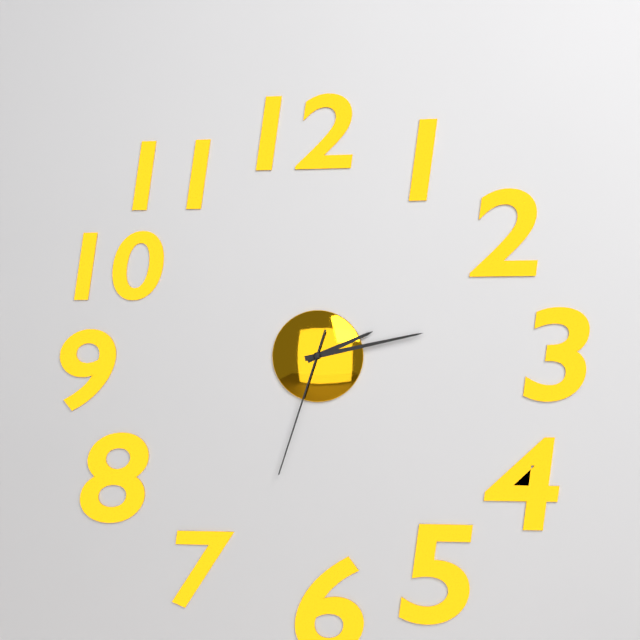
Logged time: 2,13,33
